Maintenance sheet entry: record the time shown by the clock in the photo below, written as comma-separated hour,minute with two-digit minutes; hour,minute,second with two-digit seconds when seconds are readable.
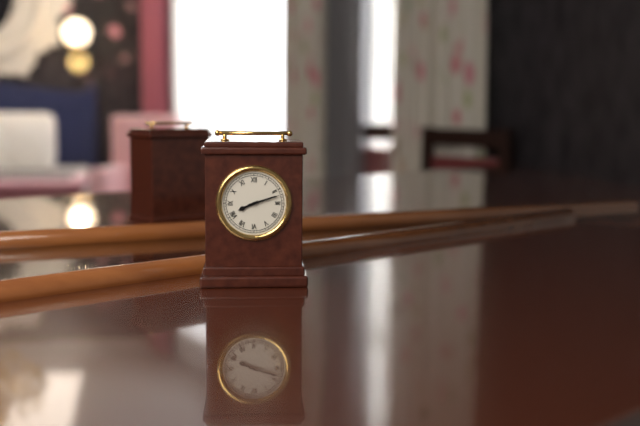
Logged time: 8,12
